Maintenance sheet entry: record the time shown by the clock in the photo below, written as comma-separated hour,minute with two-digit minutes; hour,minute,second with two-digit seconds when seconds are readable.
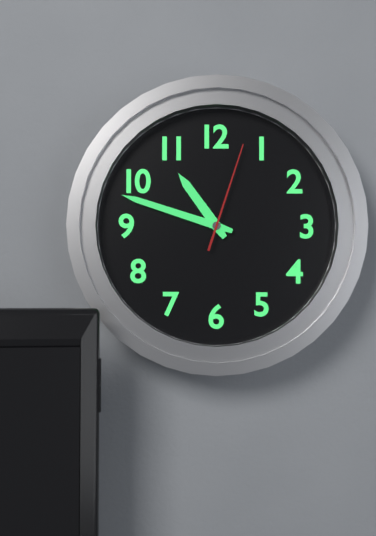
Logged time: 10,48,03
